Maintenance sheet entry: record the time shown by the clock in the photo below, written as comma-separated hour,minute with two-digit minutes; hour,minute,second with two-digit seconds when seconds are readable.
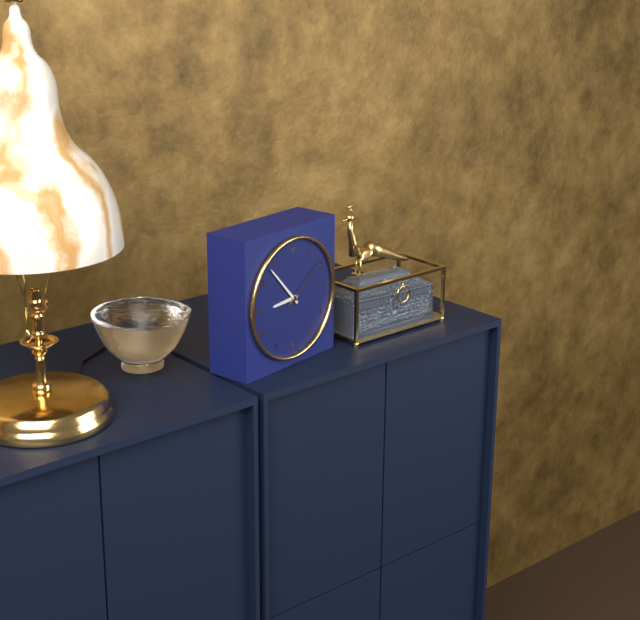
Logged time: 8,53,09
